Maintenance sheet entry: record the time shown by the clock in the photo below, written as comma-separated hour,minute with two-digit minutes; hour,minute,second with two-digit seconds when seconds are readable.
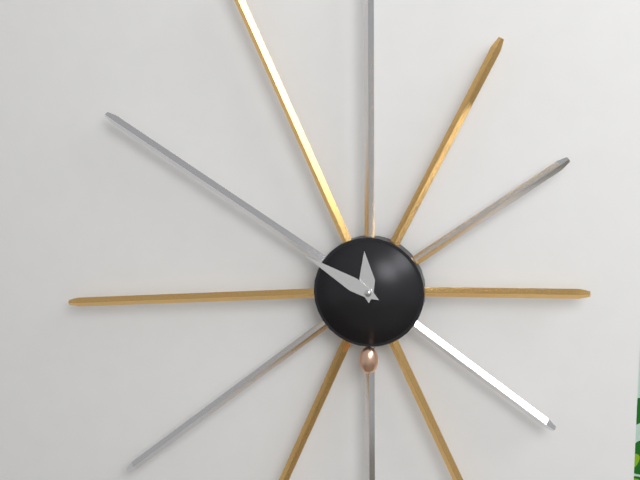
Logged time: 11,50
